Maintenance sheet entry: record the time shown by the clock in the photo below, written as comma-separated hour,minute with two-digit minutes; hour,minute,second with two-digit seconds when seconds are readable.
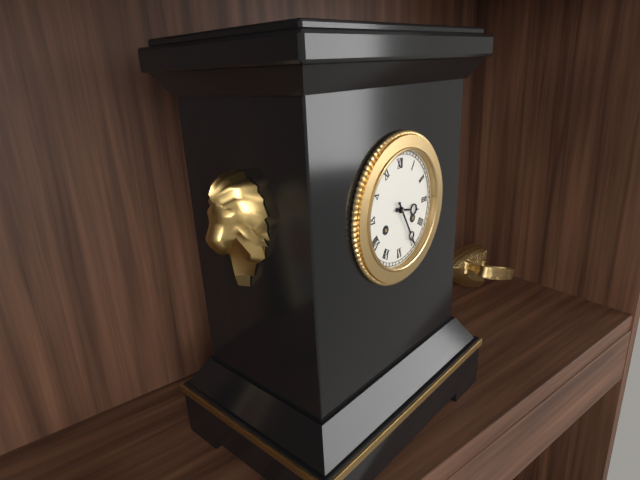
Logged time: 3,25
